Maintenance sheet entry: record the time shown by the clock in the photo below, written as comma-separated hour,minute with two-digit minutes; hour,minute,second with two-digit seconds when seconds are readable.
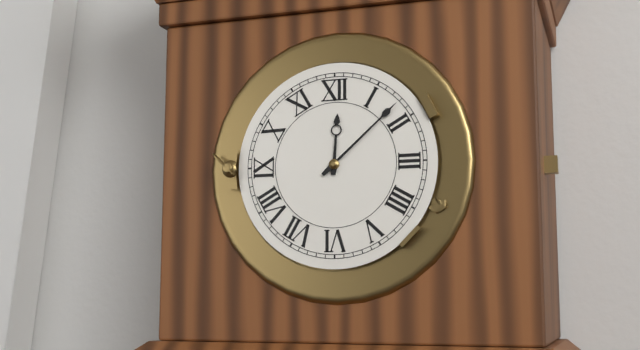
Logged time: 12,08
